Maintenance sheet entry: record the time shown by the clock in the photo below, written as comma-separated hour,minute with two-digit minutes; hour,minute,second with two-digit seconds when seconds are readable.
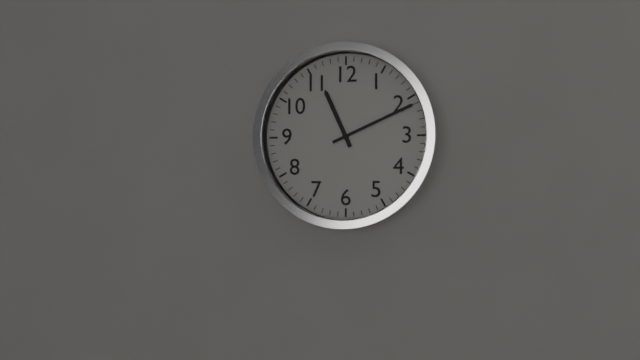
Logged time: 11,11
